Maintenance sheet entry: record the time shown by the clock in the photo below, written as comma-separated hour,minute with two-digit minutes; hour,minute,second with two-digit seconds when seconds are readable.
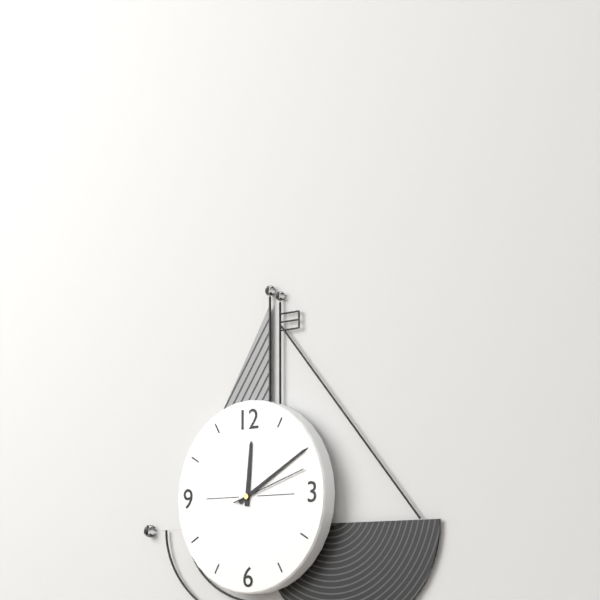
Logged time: 12,10,12
